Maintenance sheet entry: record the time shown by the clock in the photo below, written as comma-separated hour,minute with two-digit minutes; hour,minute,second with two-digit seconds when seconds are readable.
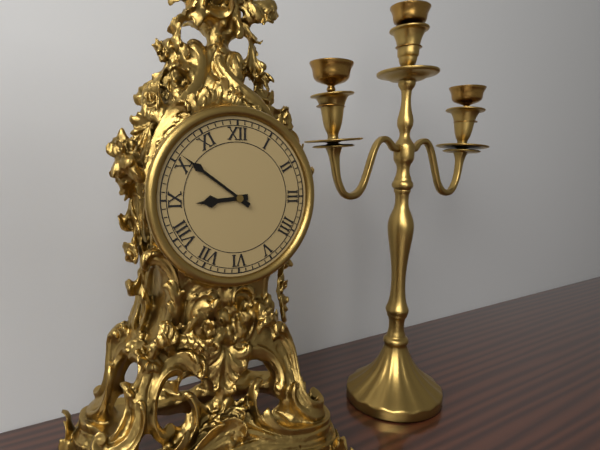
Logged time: 8,51
